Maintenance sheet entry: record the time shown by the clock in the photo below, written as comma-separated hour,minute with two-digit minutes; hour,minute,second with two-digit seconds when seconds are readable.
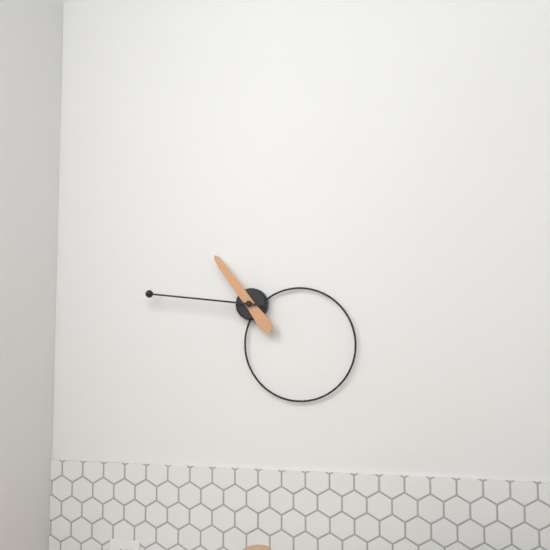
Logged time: 10,46
